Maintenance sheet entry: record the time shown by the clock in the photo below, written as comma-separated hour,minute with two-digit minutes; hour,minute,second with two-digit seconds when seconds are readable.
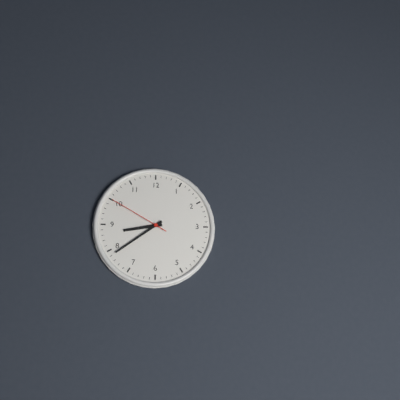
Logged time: 8,39,50
